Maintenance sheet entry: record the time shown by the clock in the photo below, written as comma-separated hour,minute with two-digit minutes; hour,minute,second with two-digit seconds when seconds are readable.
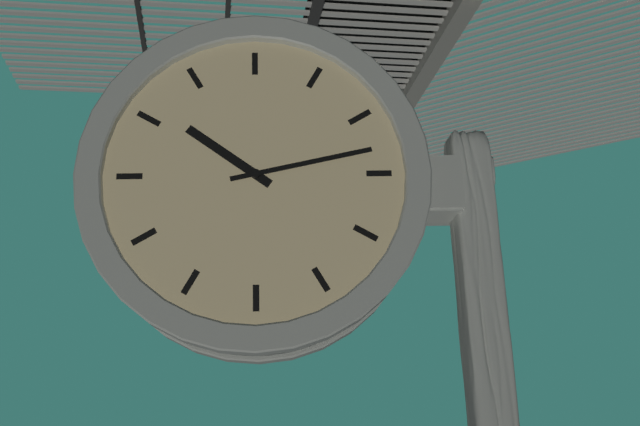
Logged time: 10,13
